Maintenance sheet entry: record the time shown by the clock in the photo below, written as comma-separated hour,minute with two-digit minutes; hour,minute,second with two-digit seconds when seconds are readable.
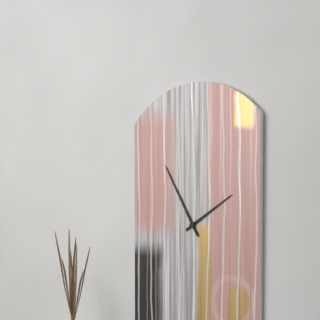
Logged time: 1,55
